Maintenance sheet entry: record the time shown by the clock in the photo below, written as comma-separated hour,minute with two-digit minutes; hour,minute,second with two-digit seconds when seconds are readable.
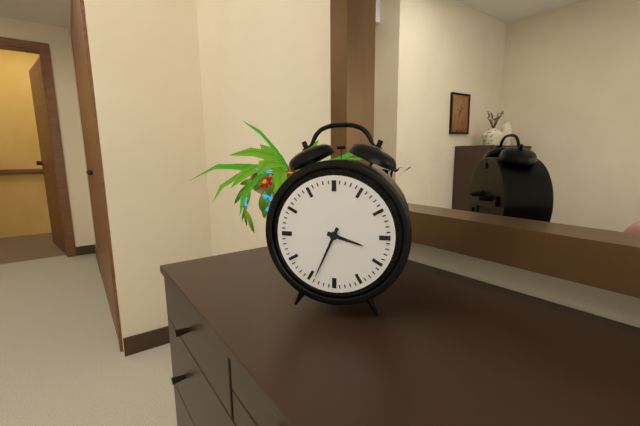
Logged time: 3,34
